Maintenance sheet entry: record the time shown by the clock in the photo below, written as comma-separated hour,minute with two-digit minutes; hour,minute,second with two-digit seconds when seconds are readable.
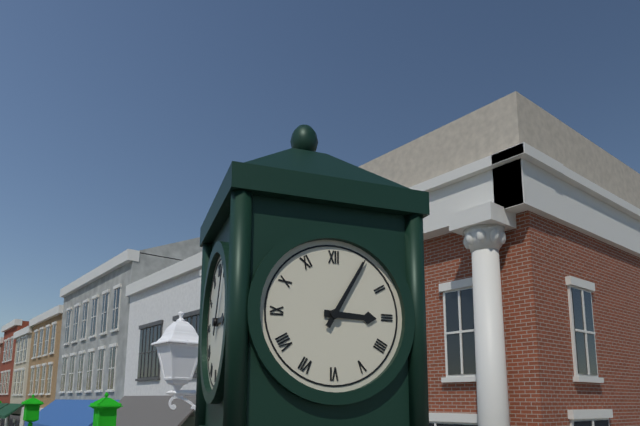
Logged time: 3,05
